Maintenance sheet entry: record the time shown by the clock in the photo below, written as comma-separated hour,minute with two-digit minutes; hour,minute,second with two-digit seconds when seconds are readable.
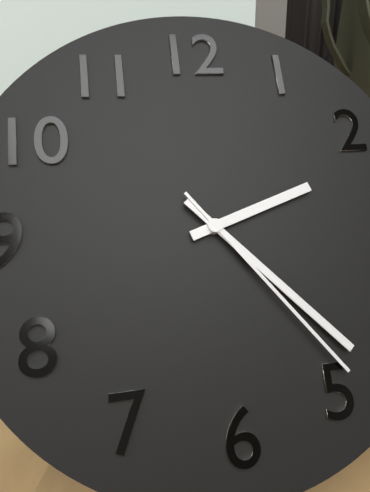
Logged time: 2,23,24
